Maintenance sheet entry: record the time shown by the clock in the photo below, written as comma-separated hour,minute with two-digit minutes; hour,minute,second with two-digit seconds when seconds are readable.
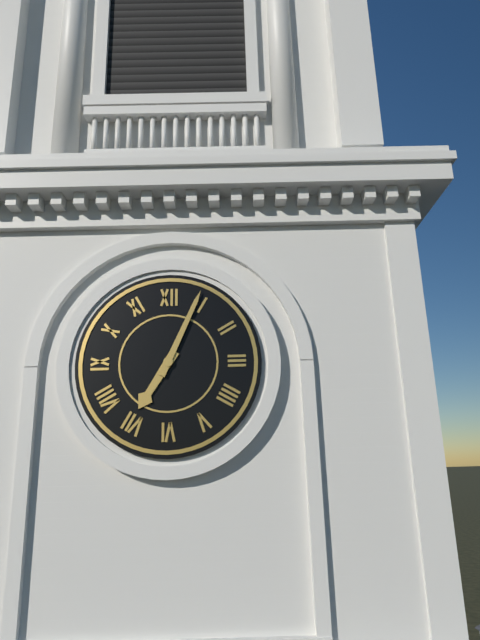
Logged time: 7,04
